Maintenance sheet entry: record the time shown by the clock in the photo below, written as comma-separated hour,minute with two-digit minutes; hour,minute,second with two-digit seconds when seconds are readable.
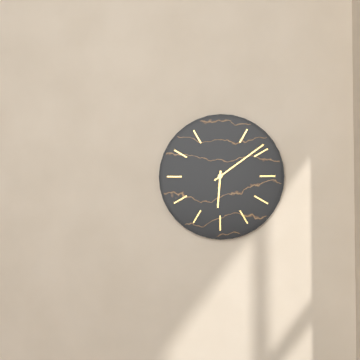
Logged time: 6,09
